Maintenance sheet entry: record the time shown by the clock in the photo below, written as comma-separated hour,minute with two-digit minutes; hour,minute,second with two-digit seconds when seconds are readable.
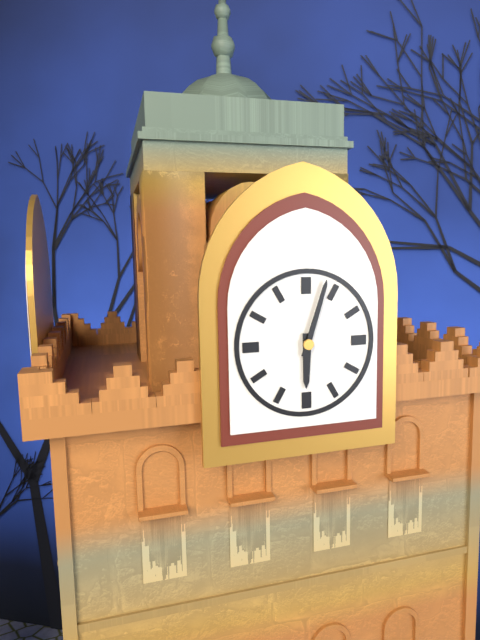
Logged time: 6,03
